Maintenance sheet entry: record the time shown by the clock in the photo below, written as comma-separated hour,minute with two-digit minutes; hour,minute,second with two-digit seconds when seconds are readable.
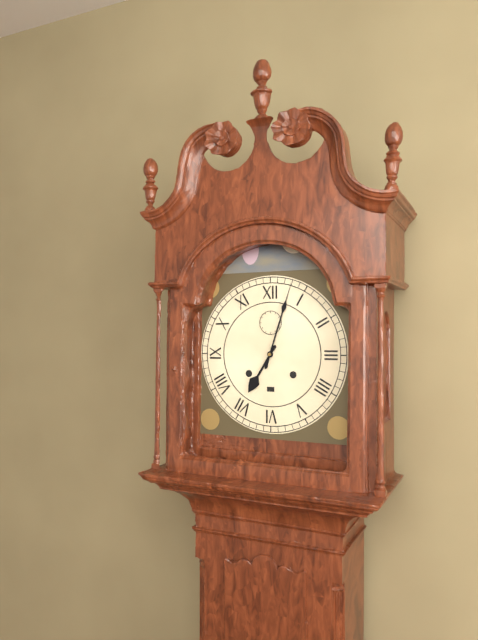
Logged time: 7,03
